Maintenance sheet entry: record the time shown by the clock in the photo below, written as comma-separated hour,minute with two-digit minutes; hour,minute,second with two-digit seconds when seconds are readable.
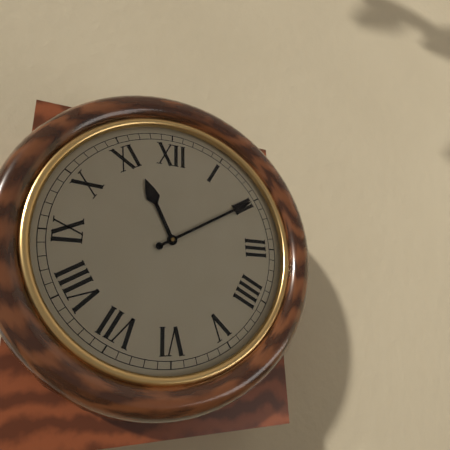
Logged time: 11,10
